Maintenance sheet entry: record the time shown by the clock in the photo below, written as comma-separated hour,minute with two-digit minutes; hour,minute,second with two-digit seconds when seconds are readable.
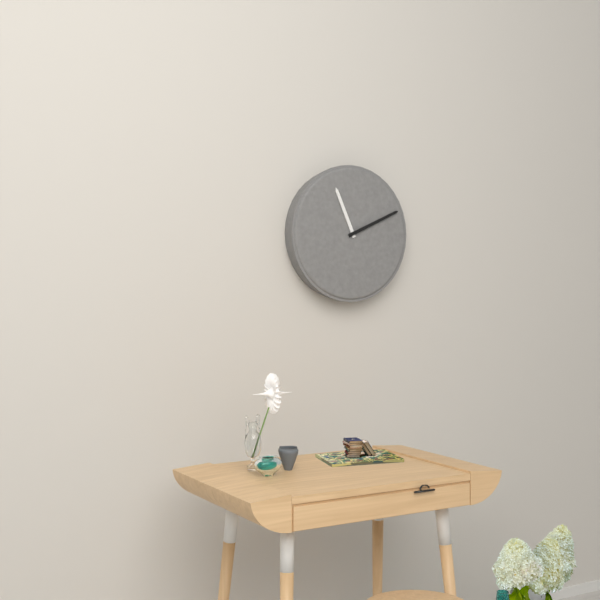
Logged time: 11,11
